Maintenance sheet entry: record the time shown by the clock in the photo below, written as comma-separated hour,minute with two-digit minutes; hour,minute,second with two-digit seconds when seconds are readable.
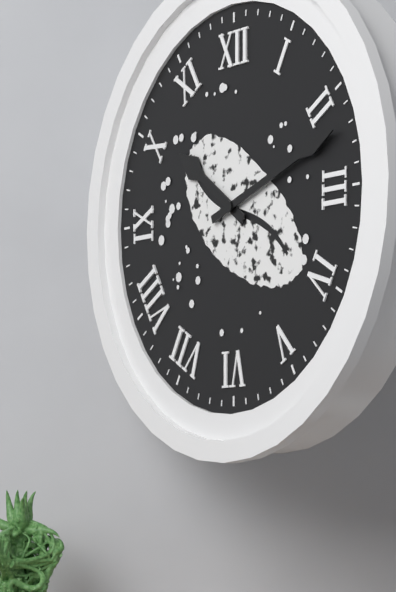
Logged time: 10,12
